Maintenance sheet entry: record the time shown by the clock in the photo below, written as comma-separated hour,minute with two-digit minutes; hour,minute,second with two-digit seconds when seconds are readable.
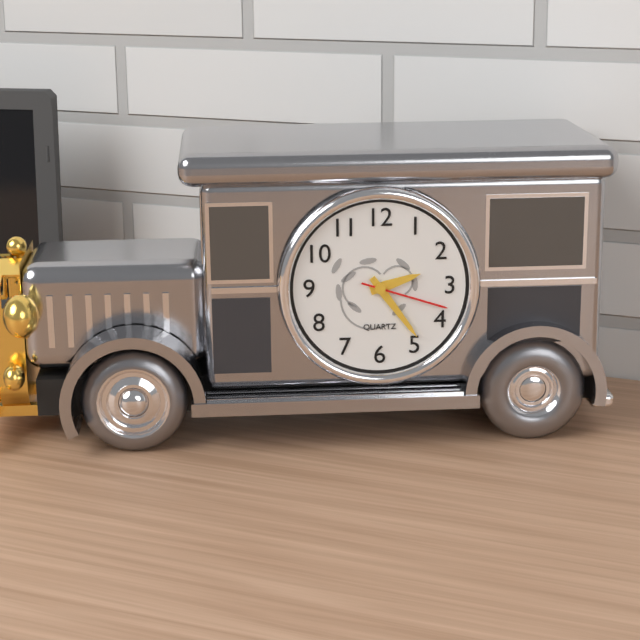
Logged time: 2,24,18
